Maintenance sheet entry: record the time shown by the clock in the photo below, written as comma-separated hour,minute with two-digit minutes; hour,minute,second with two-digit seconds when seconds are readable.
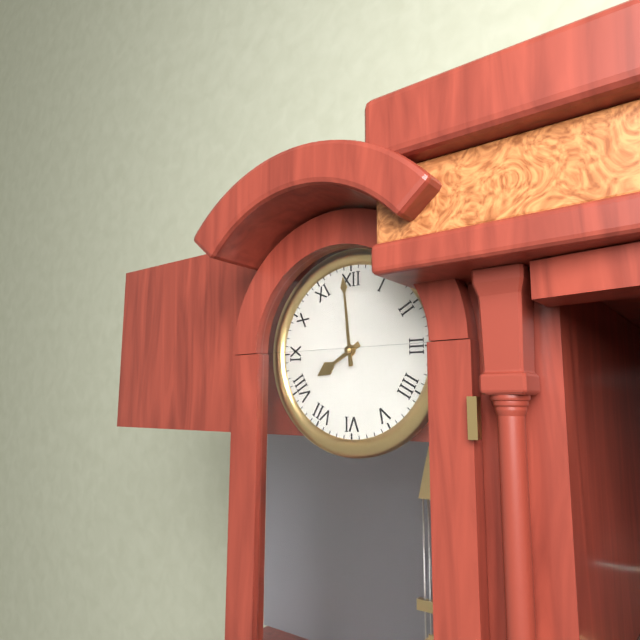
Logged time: 7,59
